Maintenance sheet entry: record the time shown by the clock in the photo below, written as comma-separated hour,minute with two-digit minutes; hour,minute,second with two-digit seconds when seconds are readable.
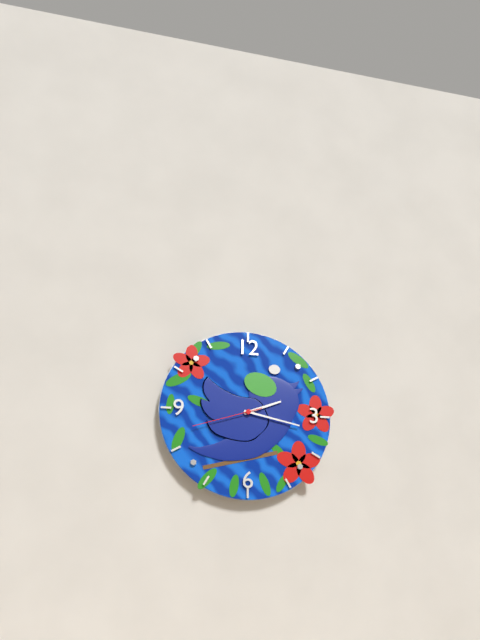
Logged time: 2,17,42
